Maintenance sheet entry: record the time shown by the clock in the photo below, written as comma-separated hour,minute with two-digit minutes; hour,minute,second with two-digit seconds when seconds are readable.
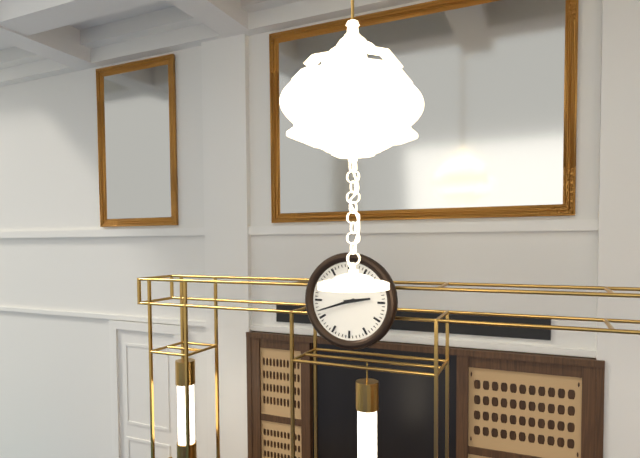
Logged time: 2,42
